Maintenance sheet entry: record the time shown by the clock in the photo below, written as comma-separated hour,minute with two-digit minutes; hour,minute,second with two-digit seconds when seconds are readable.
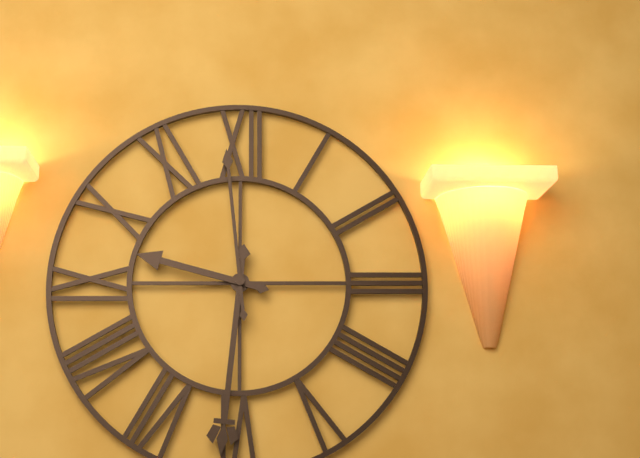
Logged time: 9,31,59
